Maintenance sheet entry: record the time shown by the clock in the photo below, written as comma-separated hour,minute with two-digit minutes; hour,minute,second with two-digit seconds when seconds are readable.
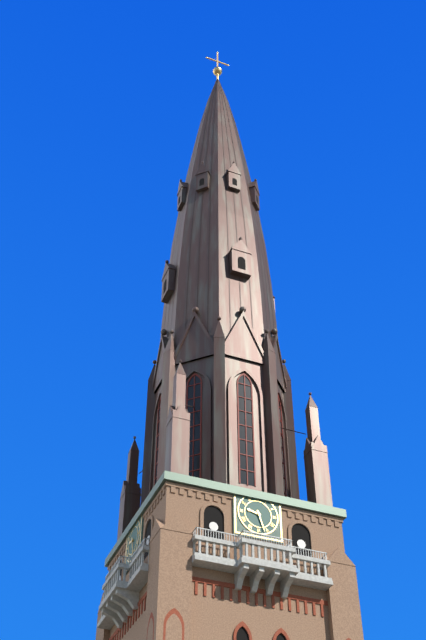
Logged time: 9,27
